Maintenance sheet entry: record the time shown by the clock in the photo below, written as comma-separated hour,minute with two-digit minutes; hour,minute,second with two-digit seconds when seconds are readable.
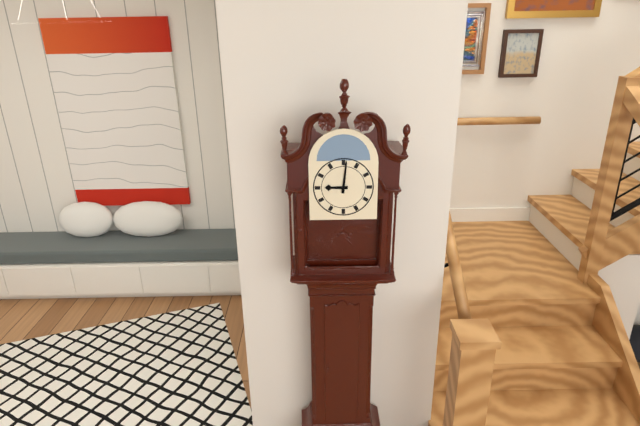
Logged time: 9,01
